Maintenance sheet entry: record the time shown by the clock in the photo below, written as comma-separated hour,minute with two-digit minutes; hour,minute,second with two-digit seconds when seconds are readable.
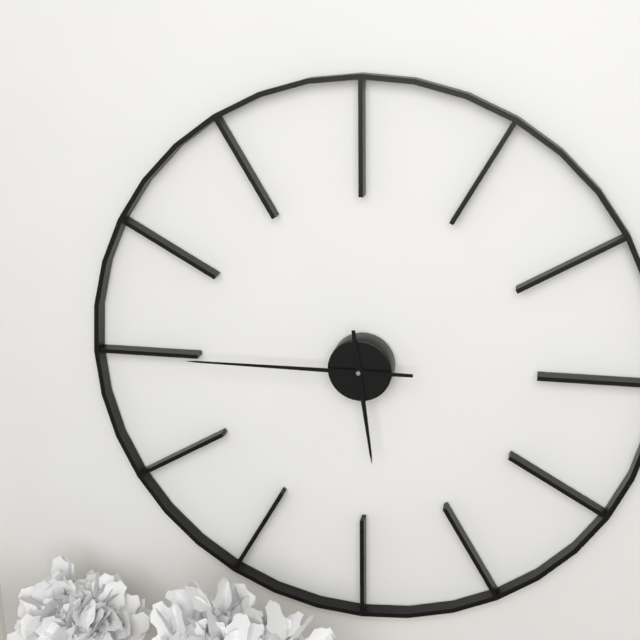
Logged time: 5,45
